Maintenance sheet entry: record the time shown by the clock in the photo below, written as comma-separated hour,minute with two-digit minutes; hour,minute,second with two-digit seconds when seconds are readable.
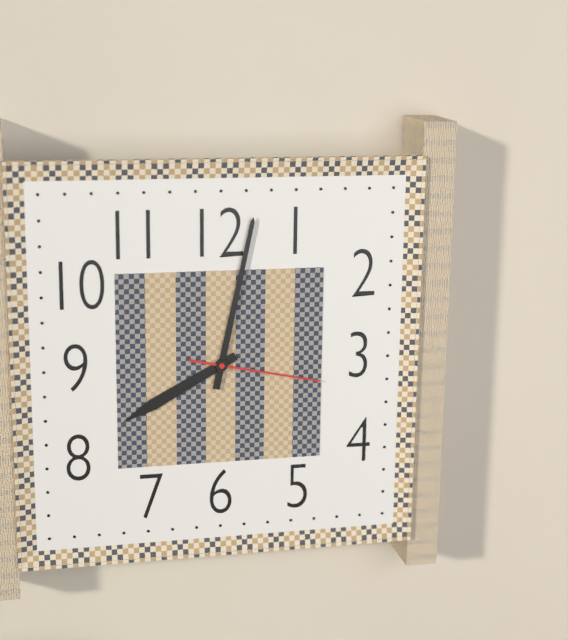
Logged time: 8,02,17
